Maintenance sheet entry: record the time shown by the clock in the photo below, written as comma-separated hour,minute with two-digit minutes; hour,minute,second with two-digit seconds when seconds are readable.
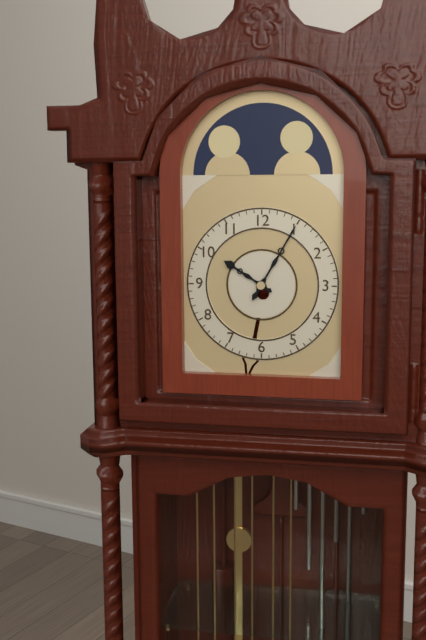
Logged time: 10,05
